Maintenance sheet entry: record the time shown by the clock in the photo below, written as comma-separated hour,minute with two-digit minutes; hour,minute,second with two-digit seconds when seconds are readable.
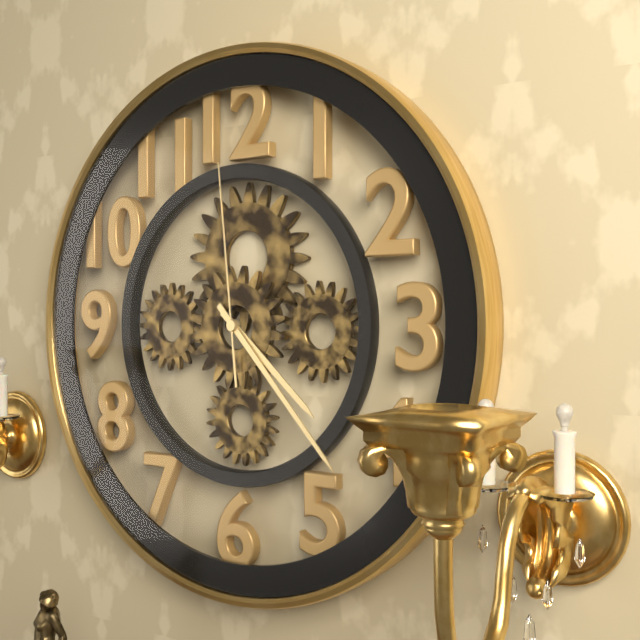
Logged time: 4,23,59
